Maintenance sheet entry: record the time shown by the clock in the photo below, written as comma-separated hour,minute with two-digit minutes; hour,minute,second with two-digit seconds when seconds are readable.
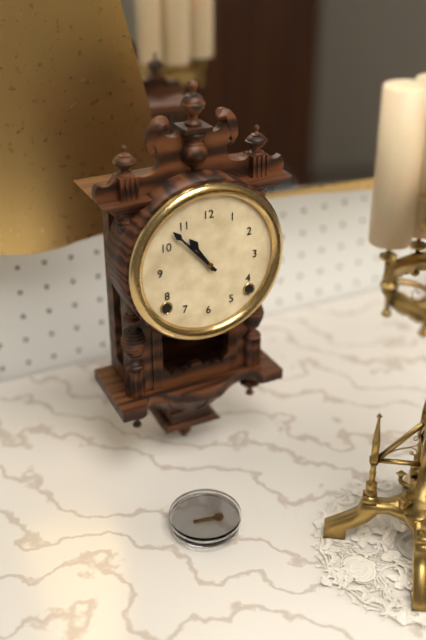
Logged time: 10,53
